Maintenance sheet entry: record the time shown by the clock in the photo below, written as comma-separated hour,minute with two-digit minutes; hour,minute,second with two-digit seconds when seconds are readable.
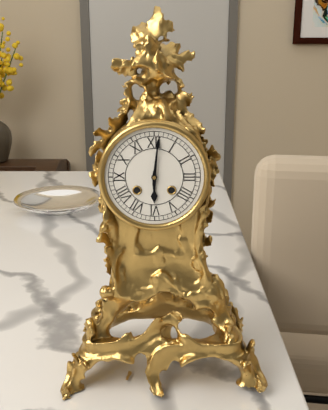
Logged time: 6,01
